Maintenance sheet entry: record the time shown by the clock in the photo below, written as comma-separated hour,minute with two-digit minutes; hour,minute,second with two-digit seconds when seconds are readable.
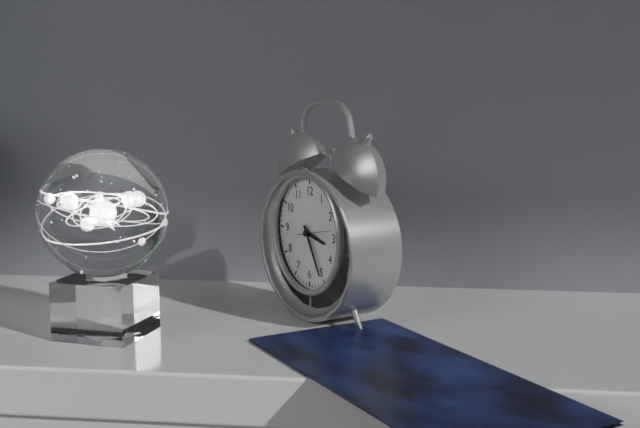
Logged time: 3,25
